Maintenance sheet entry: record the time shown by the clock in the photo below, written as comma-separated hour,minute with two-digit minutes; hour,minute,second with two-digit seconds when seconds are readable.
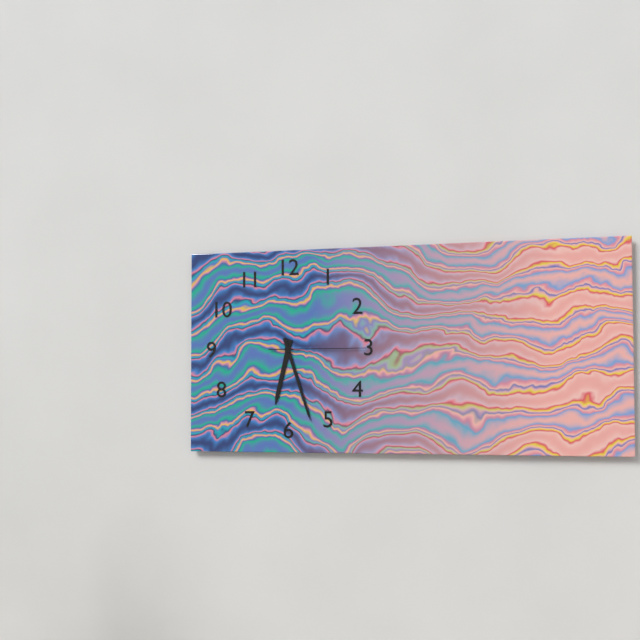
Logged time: 6,27,15
